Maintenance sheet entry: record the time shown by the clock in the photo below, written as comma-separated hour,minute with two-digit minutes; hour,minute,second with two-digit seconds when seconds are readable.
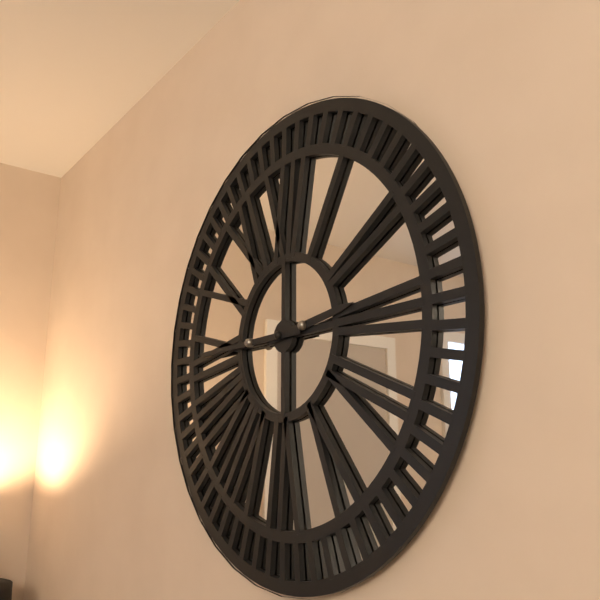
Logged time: 2,45
